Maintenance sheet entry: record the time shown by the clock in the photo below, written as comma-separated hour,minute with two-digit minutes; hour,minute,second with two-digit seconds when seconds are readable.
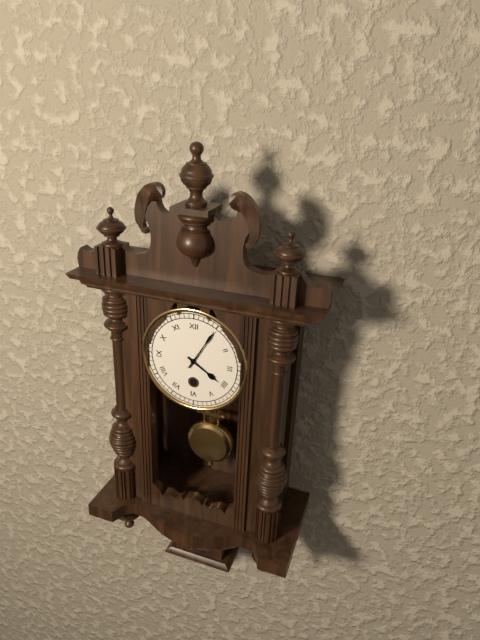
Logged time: 4,05
